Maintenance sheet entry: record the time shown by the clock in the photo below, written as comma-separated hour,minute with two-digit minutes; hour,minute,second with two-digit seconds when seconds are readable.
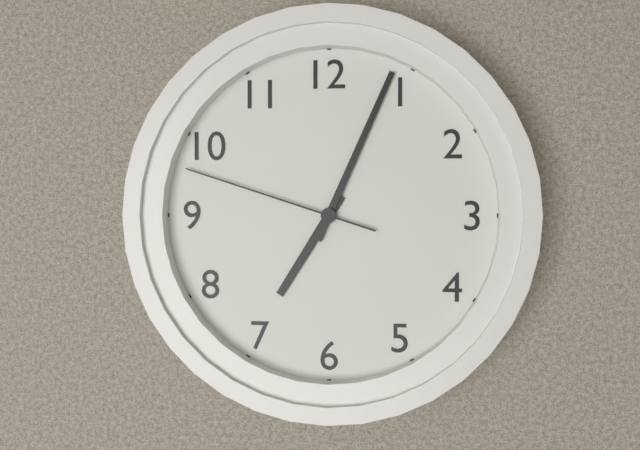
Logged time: 7,04,48
